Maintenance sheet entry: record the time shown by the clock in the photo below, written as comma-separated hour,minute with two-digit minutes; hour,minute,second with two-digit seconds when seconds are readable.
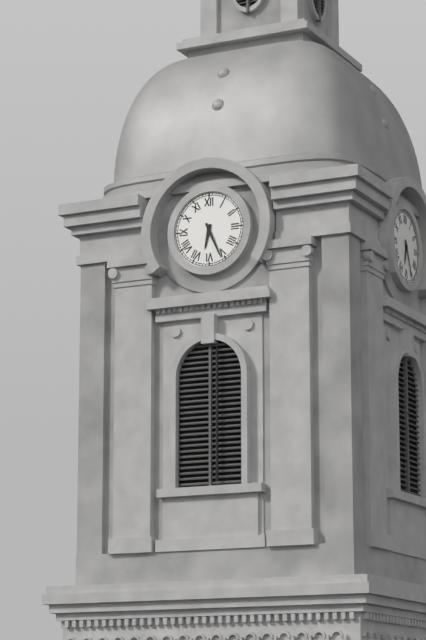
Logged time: 6,26
